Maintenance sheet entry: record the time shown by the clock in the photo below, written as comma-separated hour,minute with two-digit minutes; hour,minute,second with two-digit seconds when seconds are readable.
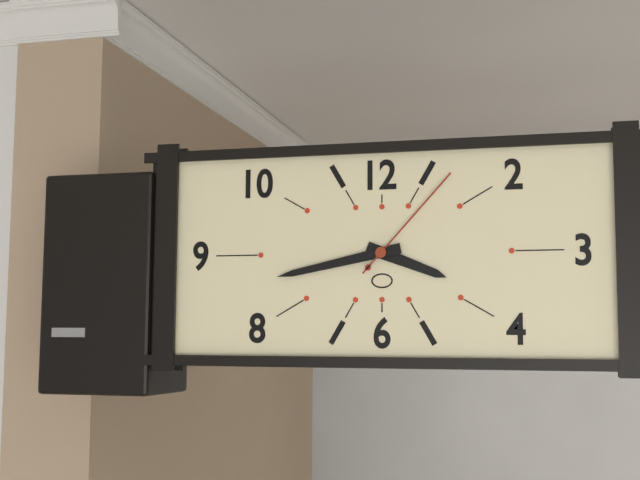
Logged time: 3,43,07
